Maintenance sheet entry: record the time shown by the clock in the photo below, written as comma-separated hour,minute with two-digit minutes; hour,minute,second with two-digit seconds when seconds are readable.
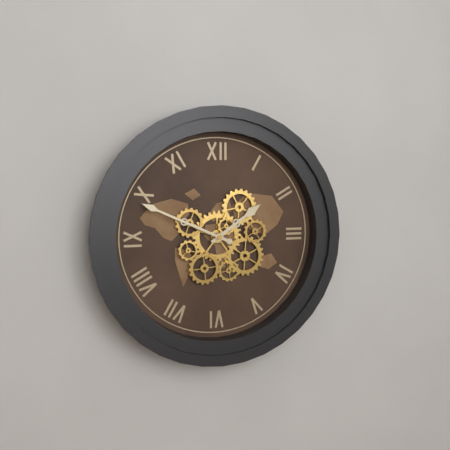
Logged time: 1,49
